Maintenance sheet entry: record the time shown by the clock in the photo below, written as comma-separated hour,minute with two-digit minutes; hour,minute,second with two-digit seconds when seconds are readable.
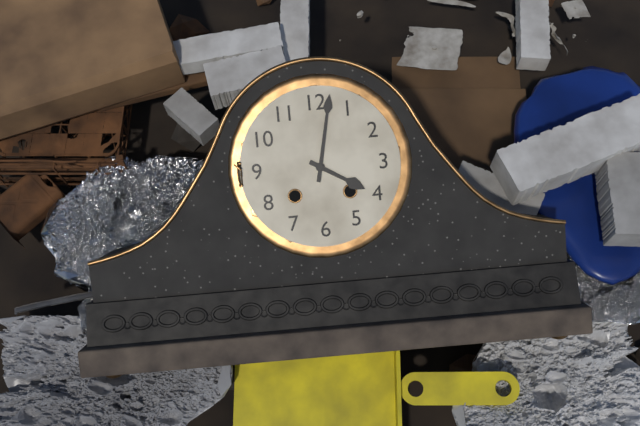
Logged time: 4,02
